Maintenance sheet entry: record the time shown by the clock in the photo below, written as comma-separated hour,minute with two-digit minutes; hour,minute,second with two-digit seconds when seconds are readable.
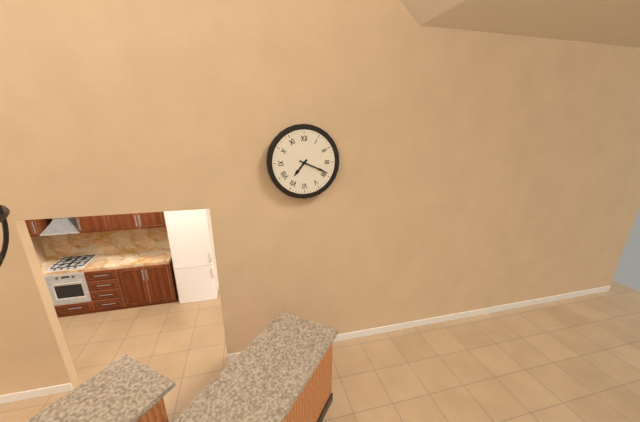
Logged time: 7,19
